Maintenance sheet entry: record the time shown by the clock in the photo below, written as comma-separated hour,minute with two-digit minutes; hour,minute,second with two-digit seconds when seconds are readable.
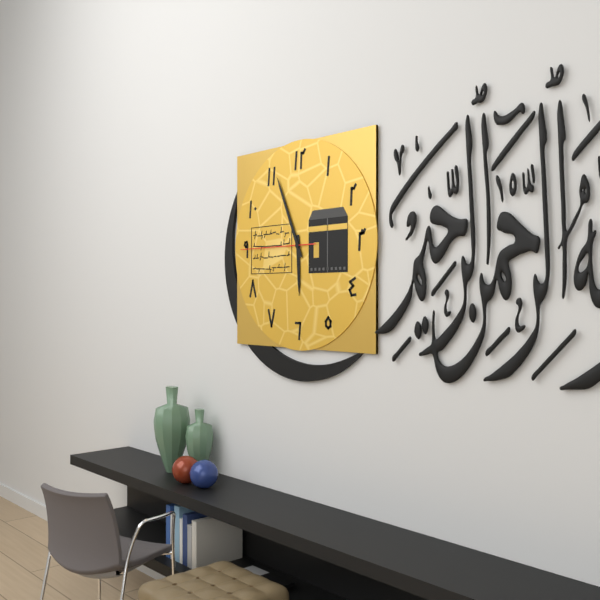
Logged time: 5,56,45
